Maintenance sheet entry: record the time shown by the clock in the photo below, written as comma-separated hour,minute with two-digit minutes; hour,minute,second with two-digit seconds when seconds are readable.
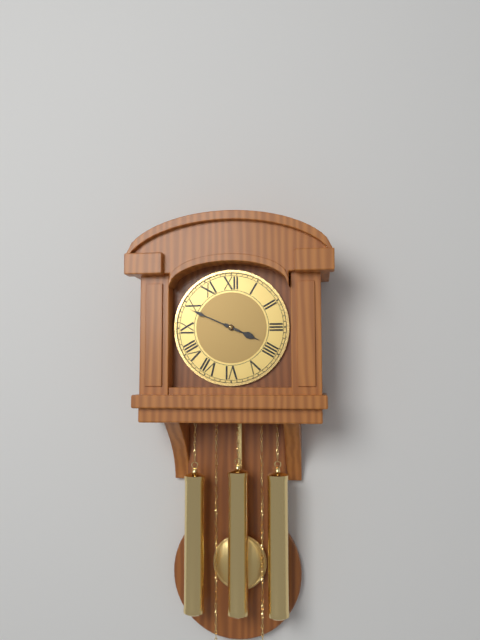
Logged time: 3,49
